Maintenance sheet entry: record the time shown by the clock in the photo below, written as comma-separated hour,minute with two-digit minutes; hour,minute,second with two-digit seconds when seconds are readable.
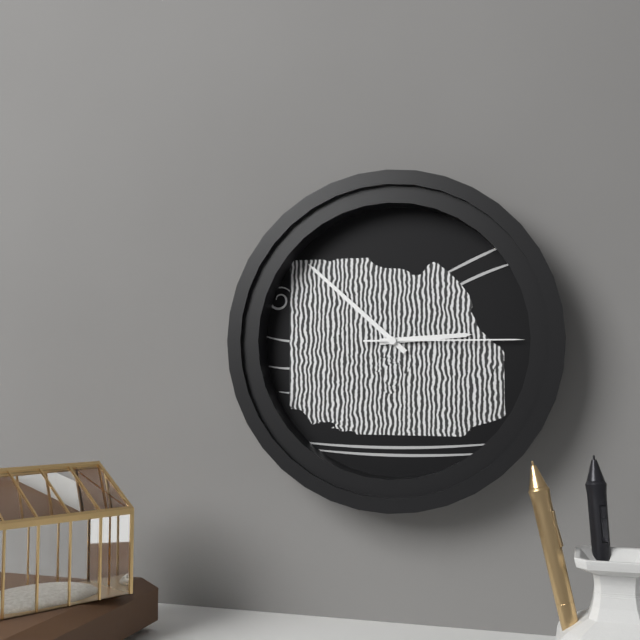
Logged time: 2,52,15
